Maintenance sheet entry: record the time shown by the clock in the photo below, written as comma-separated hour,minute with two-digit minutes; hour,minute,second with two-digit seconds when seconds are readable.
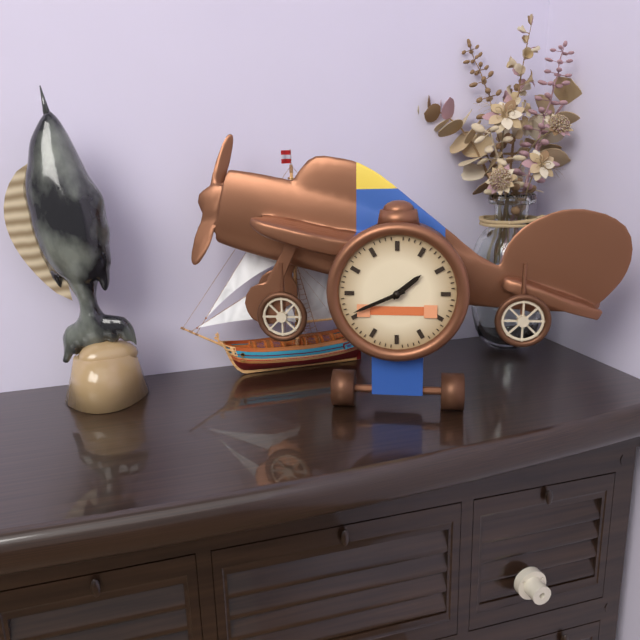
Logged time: 1,41
